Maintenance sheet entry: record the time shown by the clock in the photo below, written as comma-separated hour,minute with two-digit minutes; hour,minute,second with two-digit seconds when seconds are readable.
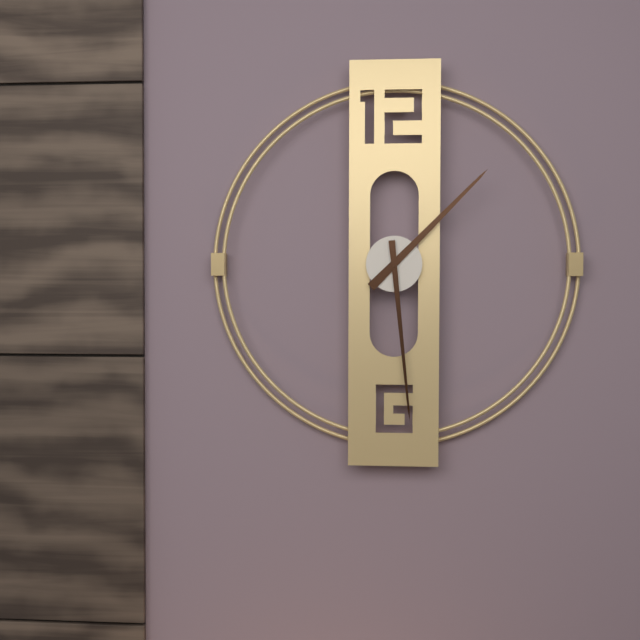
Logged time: 1,29
